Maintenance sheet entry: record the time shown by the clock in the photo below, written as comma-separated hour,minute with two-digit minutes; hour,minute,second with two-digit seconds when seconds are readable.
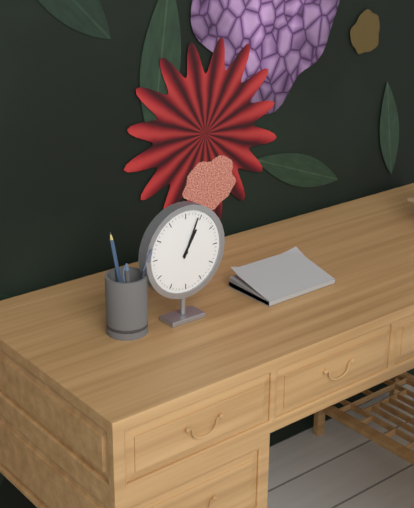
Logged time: 1,04
